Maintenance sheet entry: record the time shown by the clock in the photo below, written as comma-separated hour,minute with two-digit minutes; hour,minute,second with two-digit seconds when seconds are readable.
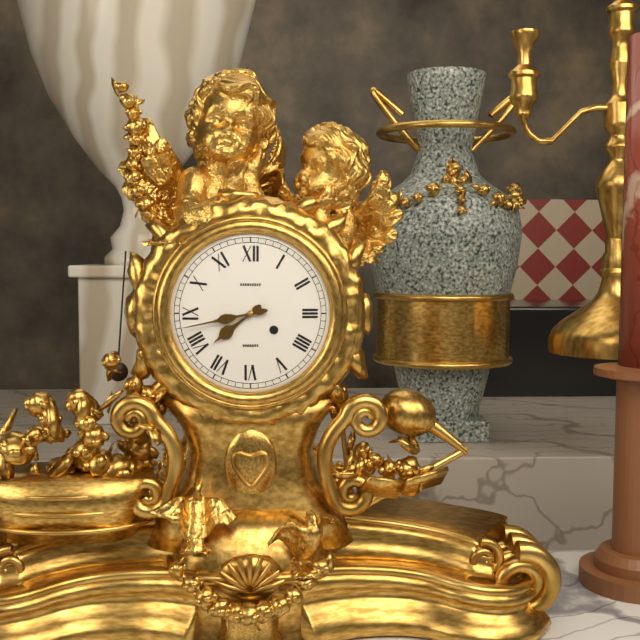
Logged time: 7,43
